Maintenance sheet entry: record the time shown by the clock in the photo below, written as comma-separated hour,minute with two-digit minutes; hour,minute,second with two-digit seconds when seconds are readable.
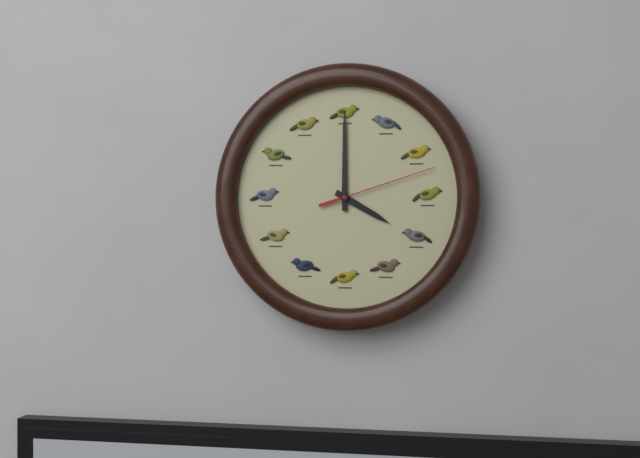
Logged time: 4,00,12
